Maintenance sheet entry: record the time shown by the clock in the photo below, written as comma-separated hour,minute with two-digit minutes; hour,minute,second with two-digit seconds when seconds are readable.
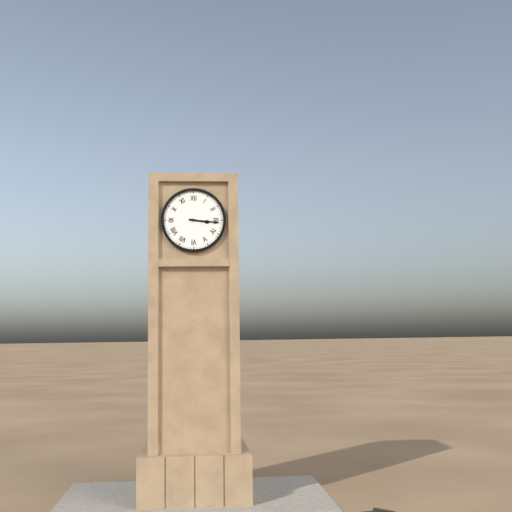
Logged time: 3,16
